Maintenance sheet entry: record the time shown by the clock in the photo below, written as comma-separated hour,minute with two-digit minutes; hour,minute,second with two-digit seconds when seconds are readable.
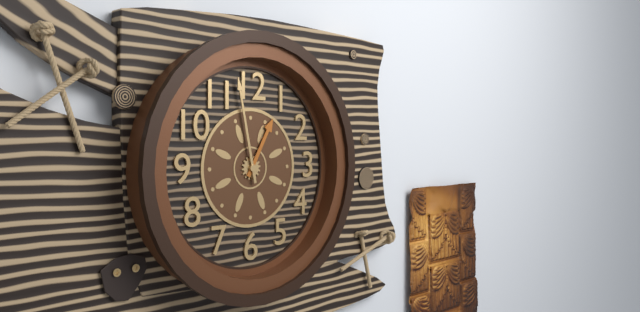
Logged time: 12,58
